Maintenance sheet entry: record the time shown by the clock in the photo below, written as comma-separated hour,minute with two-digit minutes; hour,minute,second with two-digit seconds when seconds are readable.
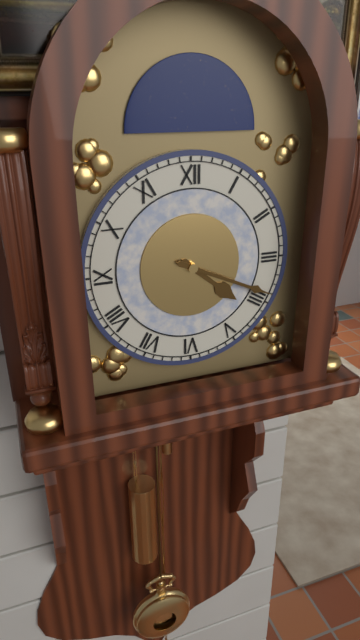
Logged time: 4,19
